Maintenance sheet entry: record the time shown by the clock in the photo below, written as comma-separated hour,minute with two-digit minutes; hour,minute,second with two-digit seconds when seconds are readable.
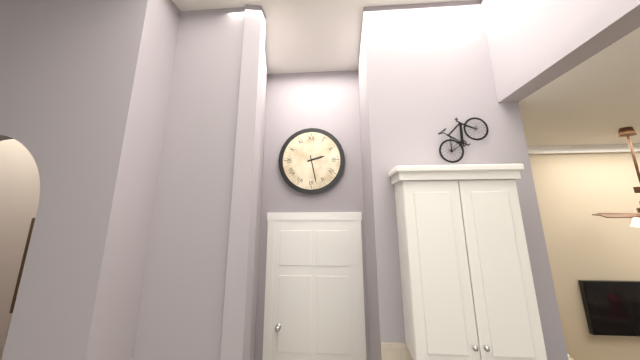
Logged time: 2,28
